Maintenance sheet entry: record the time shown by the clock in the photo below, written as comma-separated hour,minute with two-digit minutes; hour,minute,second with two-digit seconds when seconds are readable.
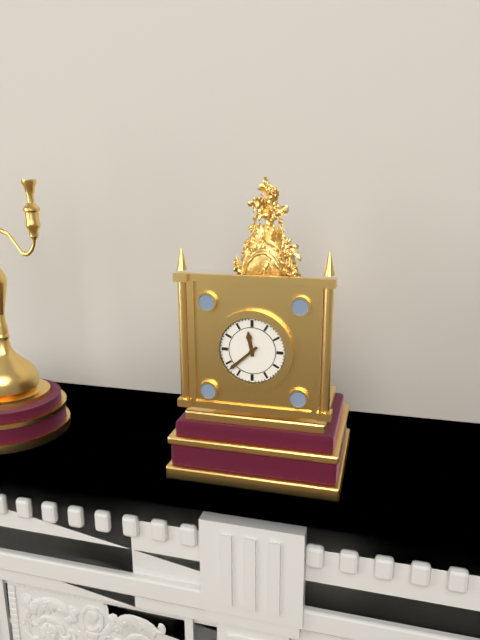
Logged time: 11,38
